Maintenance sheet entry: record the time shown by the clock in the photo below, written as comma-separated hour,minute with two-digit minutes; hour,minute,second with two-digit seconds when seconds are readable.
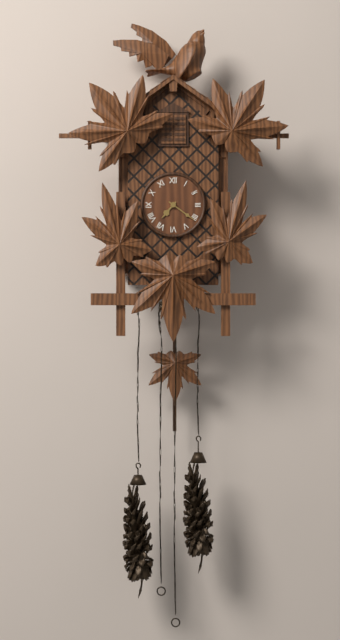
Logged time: 7,21
